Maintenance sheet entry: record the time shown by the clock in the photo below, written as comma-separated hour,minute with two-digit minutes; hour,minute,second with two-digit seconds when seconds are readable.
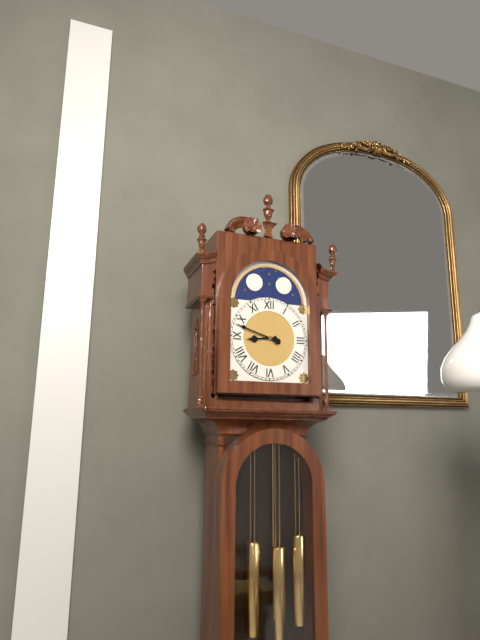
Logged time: 8,48
